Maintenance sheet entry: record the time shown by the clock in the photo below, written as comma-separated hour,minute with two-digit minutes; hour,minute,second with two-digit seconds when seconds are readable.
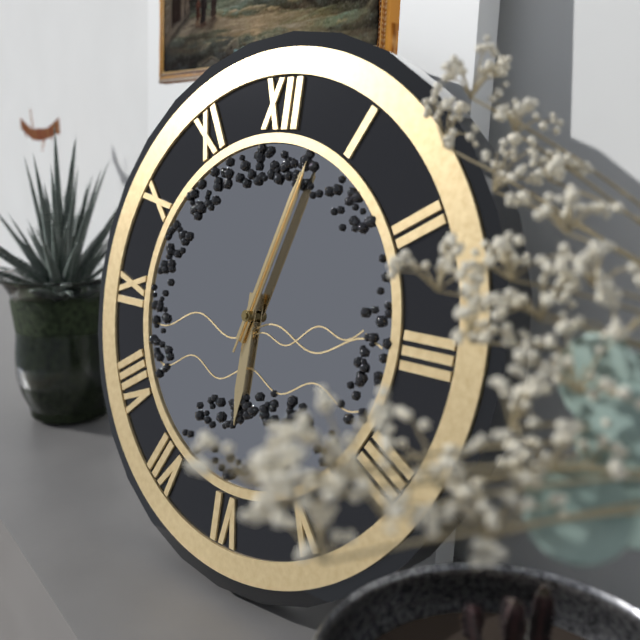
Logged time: 6,03,03
